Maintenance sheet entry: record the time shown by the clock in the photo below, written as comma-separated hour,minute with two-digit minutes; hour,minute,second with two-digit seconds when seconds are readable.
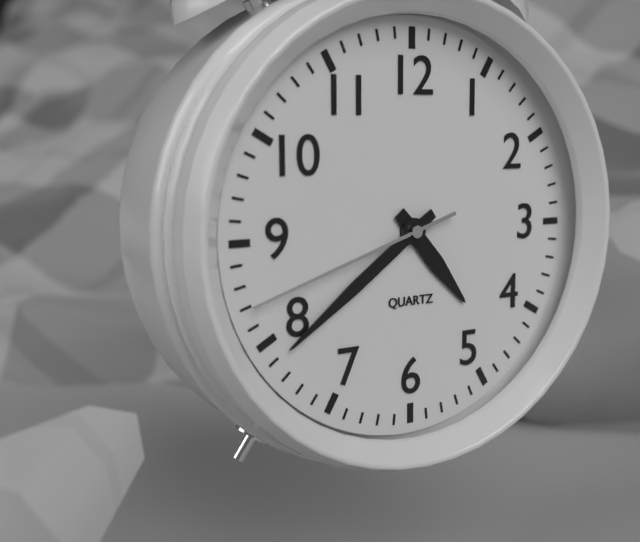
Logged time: 4,39,42
